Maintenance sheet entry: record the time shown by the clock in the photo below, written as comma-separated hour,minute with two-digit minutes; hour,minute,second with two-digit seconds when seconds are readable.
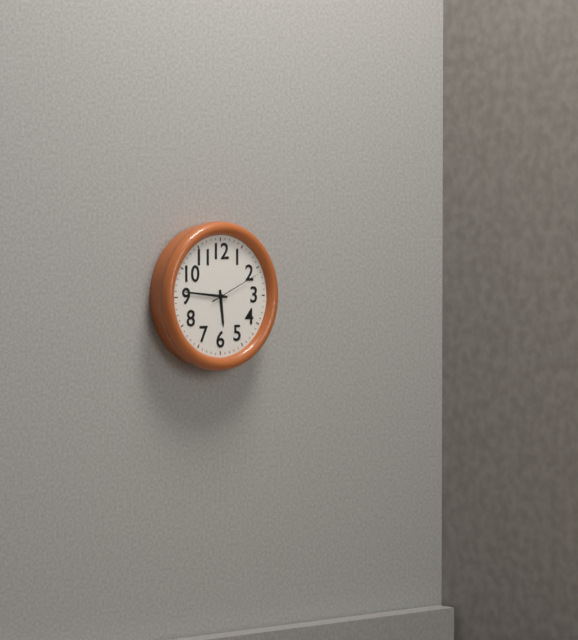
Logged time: 5,46,11
